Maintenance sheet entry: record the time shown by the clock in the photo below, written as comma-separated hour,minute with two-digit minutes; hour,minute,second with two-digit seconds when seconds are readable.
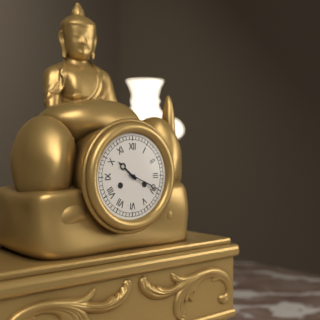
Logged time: 10,19
